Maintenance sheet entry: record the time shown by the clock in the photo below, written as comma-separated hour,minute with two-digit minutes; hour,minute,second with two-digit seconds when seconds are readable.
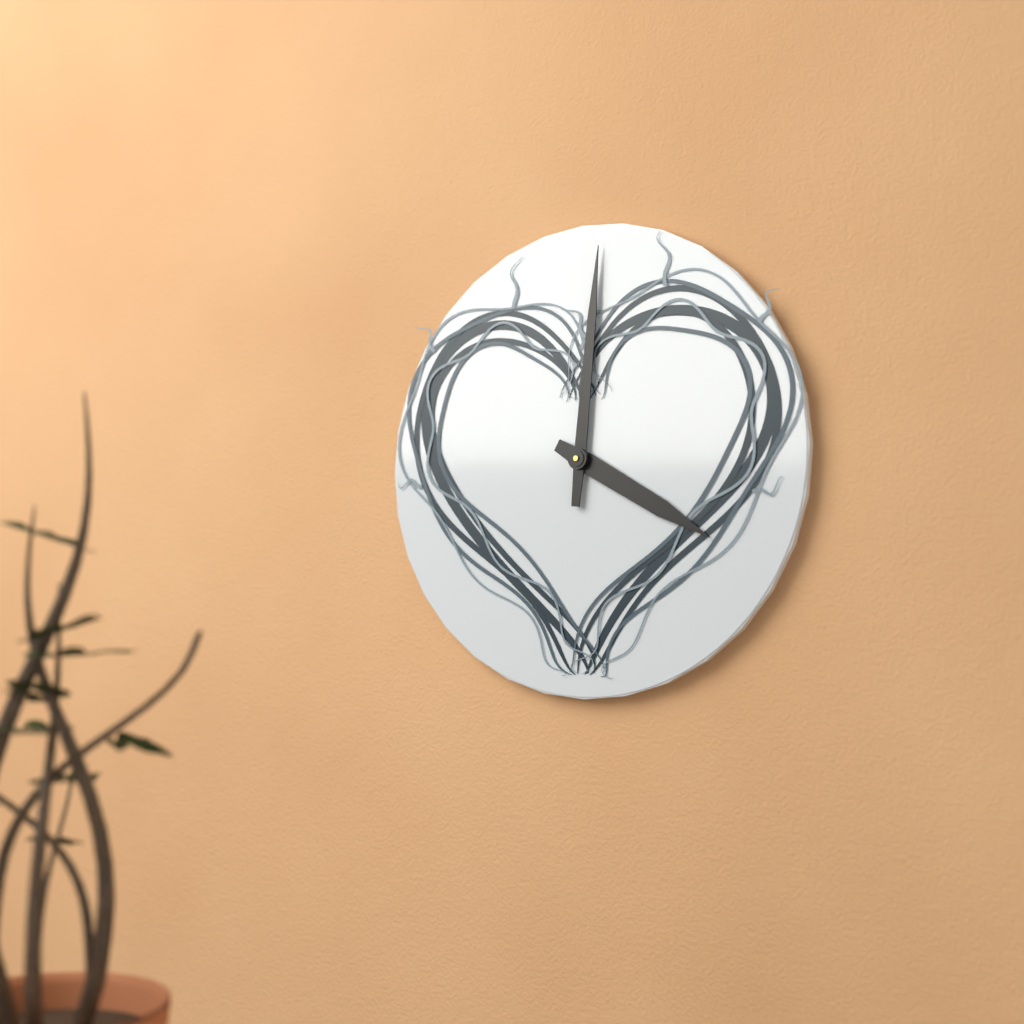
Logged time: 4,01
